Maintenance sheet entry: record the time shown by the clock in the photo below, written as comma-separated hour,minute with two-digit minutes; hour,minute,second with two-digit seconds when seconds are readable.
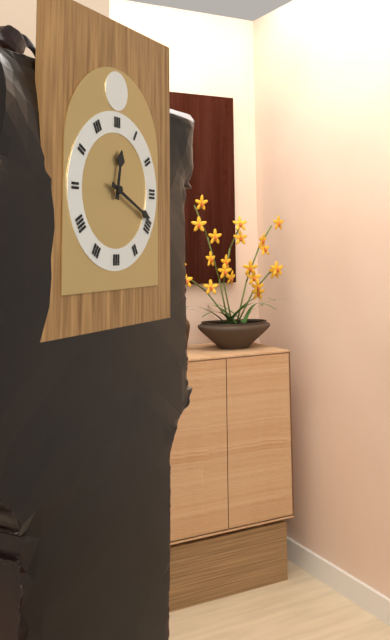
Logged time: 12,19
